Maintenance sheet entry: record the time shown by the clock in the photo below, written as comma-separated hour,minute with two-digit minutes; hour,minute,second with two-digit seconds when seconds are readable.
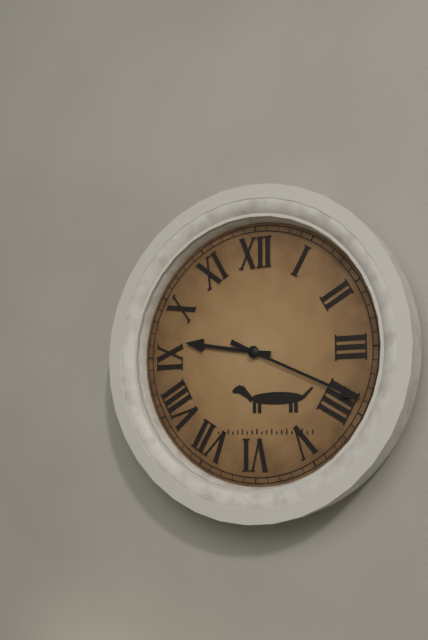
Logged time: 9,19
